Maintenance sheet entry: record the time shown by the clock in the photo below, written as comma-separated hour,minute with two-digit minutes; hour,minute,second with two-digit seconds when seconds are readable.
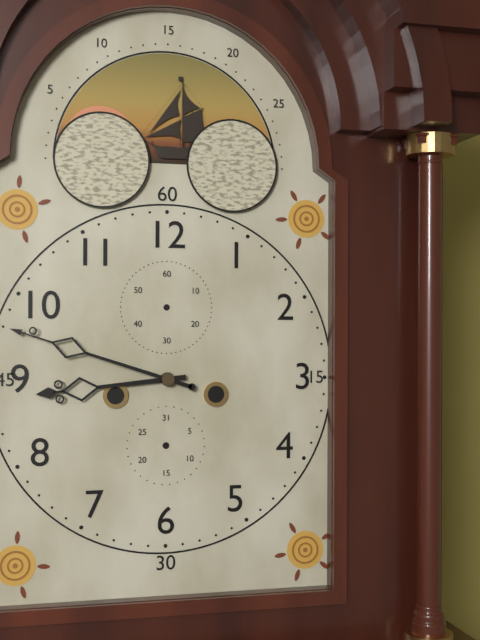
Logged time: 8,48
